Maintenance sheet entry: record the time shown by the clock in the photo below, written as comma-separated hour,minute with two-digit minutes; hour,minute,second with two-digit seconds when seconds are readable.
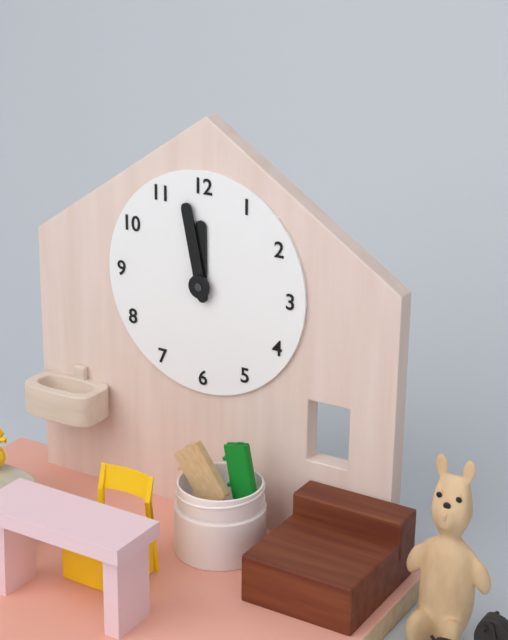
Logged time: 11,58
